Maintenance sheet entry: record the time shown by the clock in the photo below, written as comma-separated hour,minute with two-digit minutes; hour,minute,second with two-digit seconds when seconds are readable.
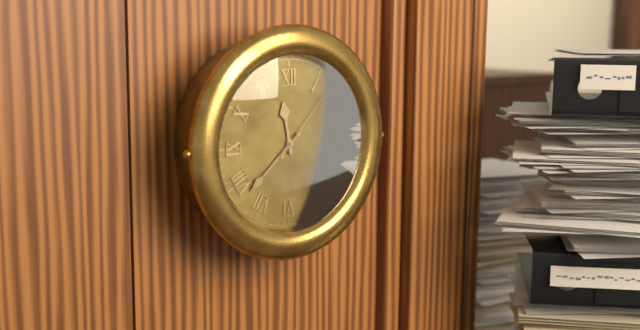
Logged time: 11,38,07
